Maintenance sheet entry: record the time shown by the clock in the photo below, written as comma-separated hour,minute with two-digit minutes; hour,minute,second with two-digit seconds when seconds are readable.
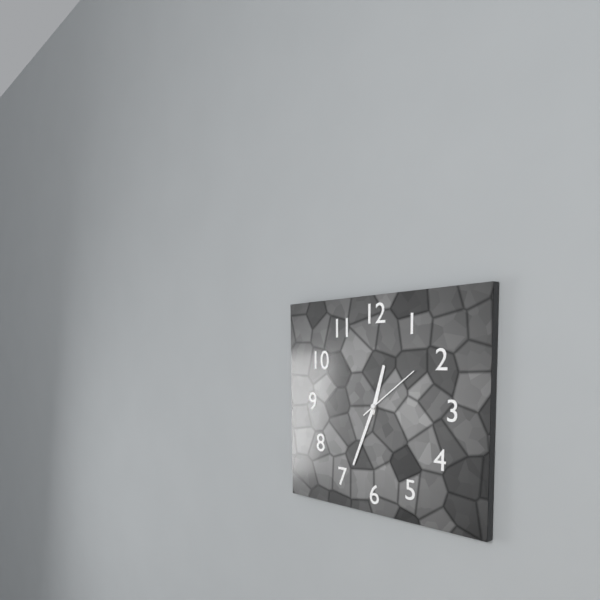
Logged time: 12,34,09
